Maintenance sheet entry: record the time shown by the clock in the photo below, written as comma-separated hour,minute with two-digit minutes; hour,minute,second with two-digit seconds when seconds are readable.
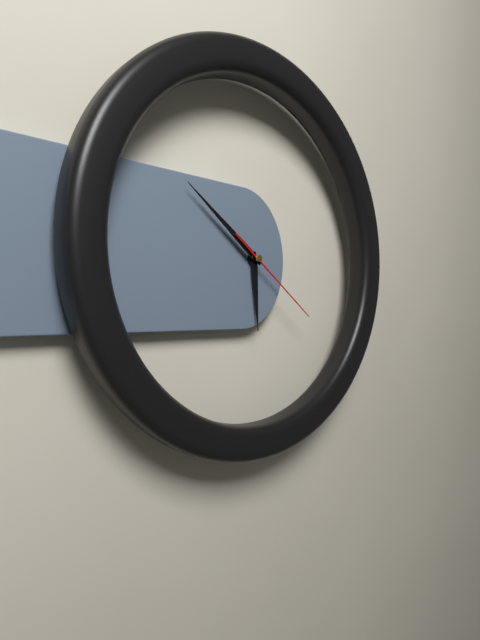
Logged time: 5,51,21
